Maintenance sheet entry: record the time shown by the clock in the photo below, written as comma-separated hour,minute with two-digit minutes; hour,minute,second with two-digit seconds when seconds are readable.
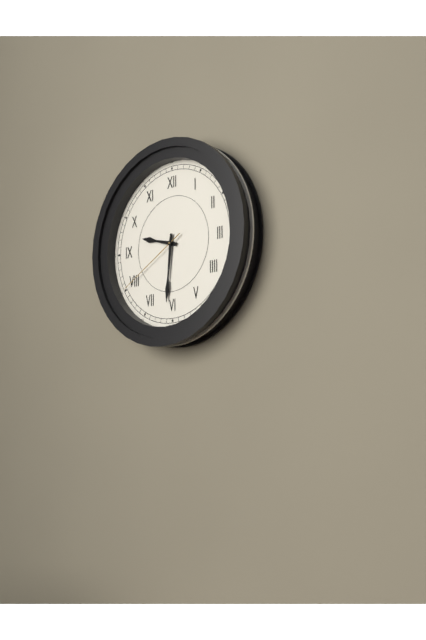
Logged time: 9,31,40
